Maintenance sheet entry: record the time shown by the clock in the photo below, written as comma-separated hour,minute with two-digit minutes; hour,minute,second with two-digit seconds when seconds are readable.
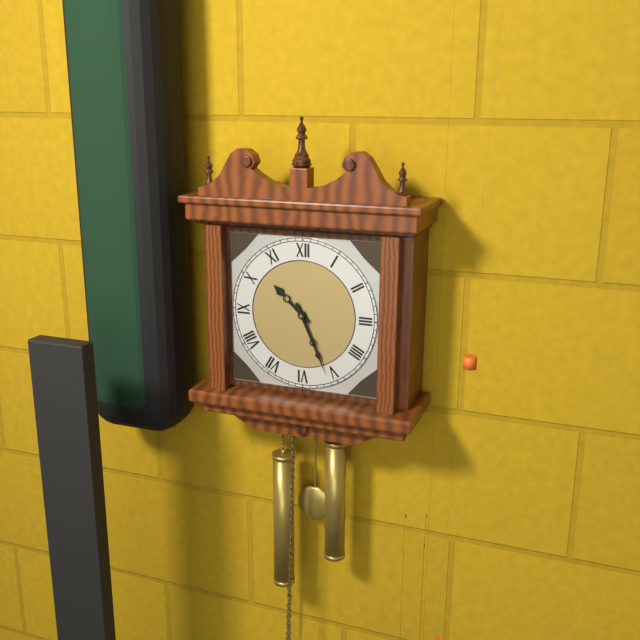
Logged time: 10,26
